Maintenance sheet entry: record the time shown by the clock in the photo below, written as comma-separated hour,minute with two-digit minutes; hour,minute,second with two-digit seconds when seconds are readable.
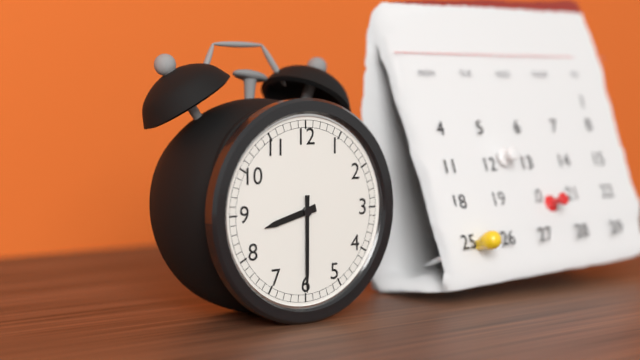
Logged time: 8,30
